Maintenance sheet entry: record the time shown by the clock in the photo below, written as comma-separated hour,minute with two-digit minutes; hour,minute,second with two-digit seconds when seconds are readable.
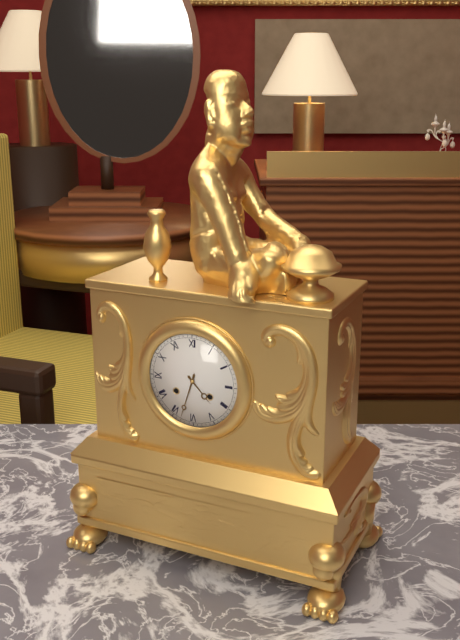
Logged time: 4,33
